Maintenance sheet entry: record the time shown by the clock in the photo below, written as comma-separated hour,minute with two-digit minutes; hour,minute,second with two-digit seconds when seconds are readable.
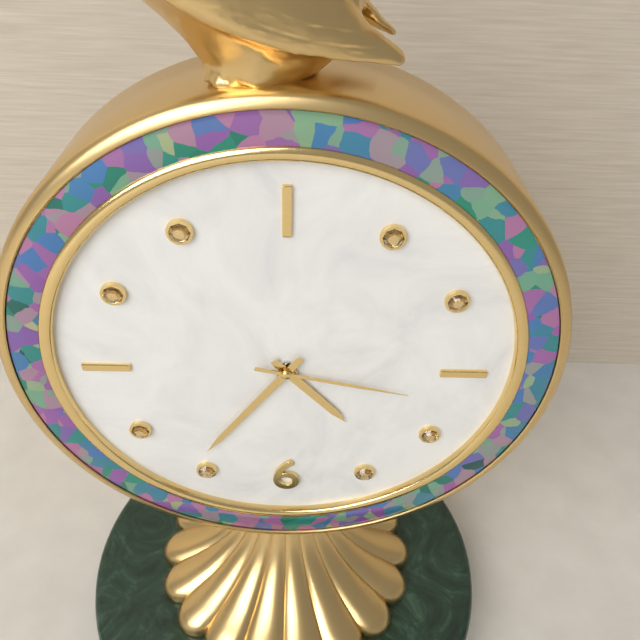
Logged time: 4,36,17
